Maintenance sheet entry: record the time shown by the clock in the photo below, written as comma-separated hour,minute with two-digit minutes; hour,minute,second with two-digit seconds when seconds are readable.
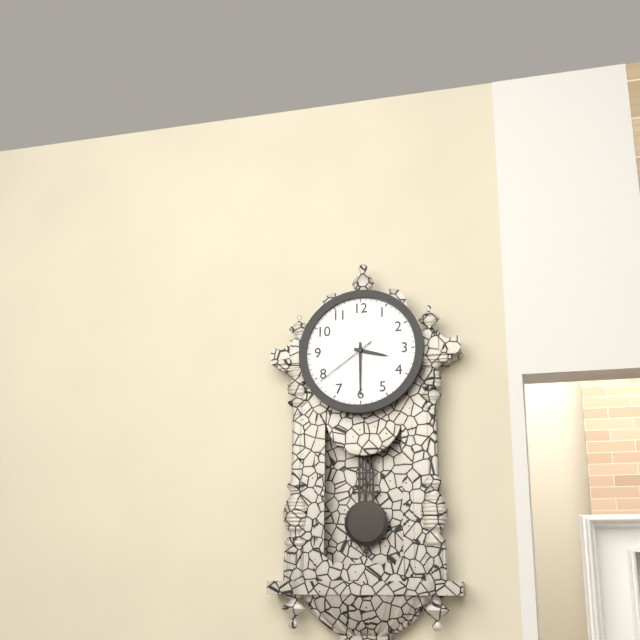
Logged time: 3,30,39
